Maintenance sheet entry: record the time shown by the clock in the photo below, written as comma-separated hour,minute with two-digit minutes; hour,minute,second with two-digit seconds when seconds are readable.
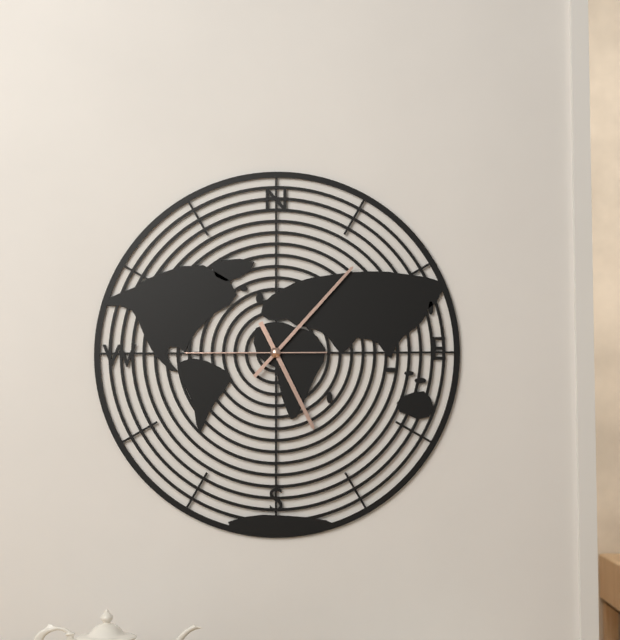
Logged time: 5,07,45
